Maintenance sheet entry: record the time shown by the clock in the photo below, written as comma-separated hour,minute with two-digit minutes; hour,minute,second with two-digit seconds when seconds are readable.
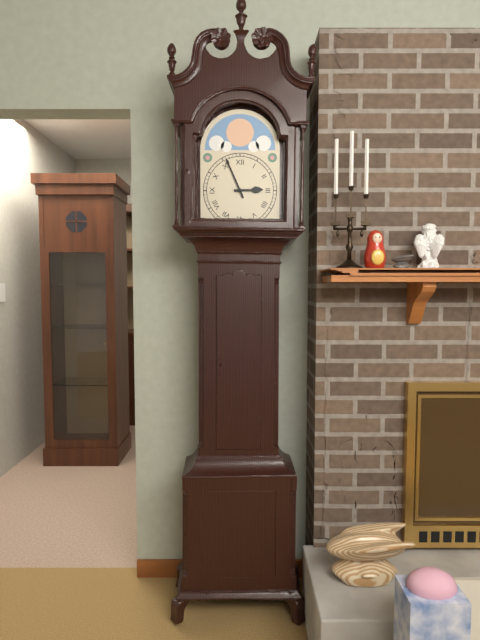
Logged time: 2,56
